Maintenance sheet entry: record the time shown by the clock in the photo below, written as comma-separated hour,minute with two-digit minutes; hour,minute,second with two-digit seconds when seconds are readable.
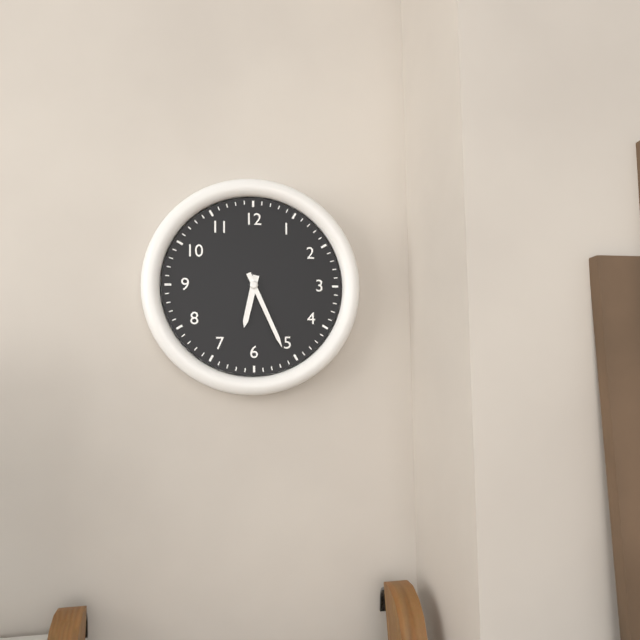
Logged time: 6,26
